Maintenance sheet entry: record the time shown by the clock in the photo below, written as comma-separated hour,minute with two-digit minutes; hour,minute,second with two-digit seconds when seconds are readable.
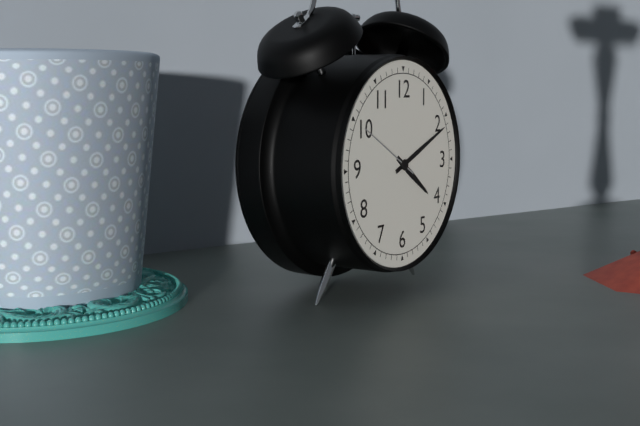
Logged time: 4,11,50
